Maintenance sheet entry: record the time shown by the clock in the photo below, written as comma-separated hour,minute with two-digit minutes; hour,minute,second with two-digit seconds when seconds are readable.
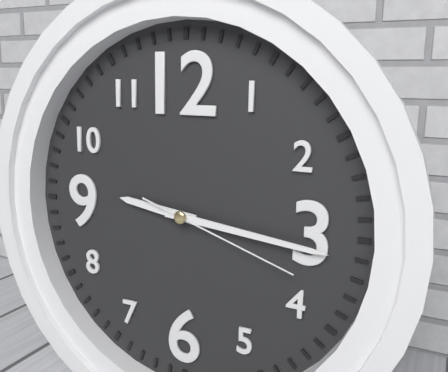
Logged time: 9,16,18
